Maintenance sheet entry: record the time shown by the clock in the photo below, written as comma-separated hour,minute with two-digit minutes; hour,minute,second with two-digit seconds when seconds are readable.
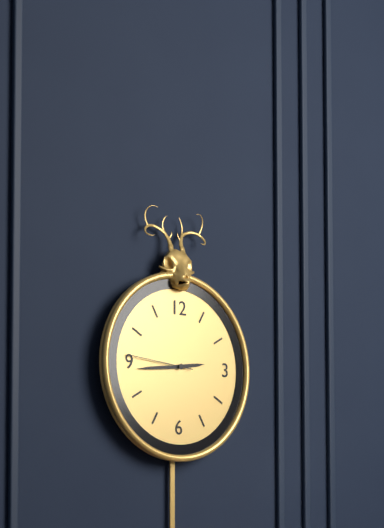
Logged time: 2,44,46
